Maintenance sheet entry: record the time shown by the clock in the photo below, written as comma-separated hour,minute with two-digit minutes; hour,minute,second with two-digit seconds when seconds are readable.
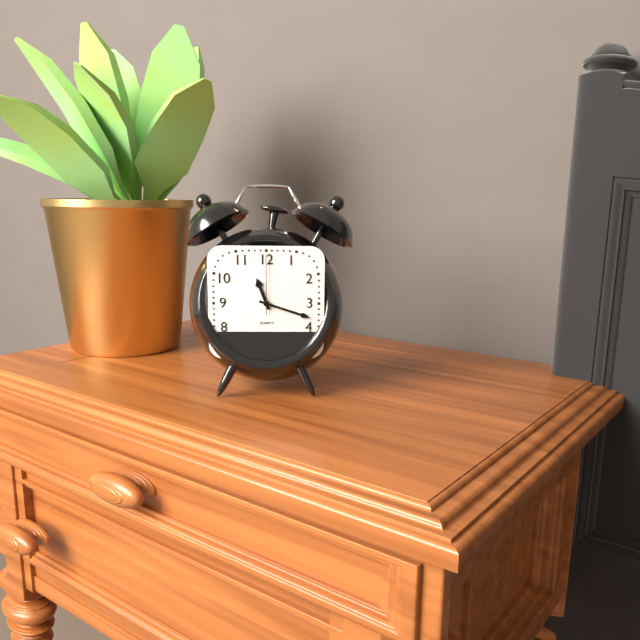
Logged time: 11,18,00
